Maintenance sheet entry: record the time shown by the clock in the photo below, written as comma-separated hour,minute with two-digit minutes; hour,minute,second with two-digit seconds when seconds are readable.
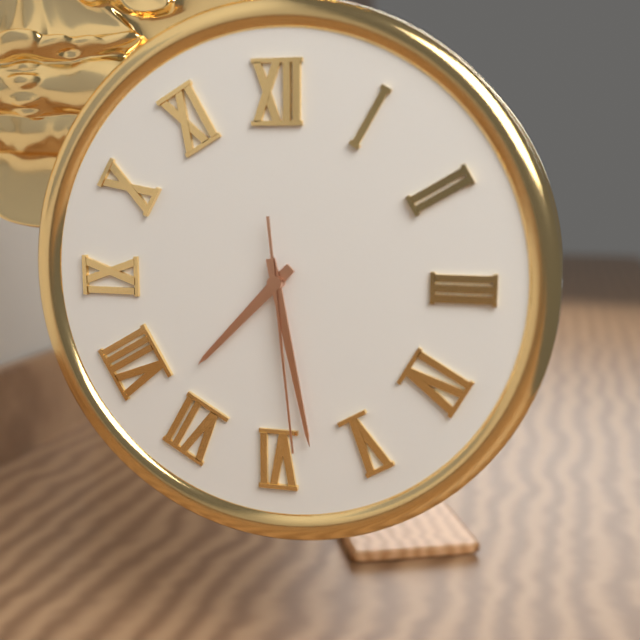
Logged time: 7,28,29
